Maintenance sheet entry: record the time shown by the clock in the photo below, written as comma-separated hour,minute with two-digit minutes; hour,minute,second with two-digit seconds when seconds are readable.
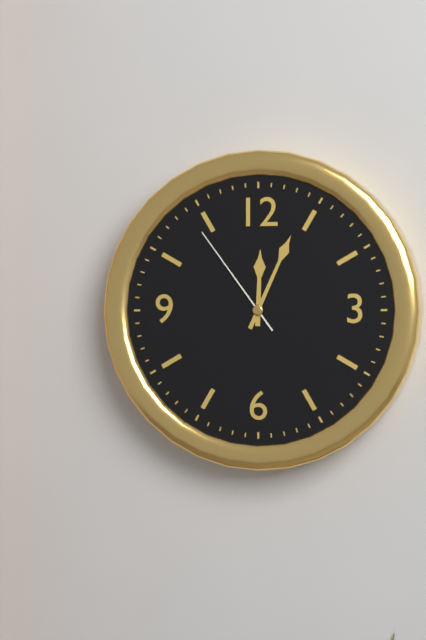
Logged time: 12,04,54
